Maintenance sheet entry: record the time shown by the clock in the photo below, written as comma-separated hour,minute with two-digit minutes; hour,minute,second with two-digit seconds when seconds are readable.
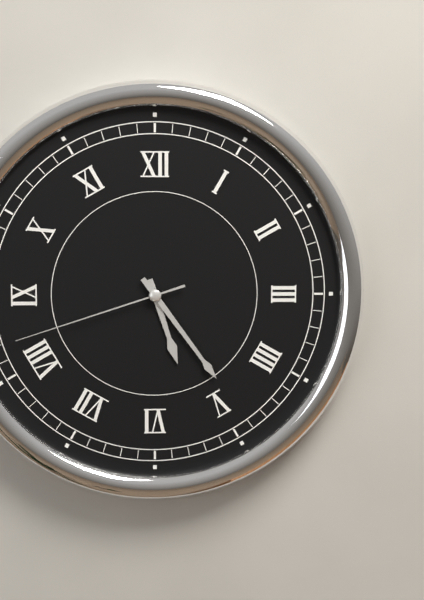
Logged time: 5,24,42
